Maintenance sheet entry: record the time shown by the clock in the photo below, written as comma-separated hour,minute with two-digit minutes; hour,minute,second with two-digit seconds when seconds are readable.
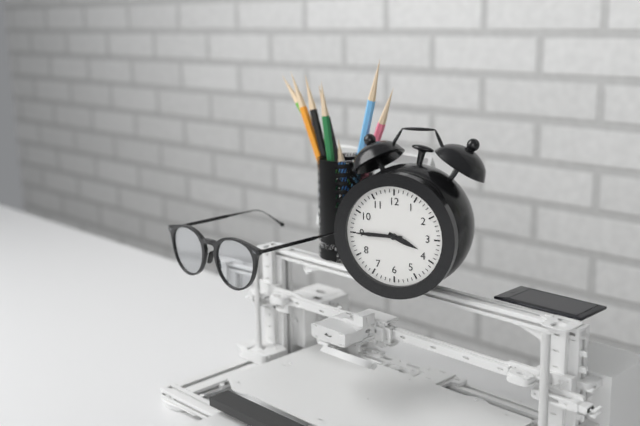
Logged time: 3,45
